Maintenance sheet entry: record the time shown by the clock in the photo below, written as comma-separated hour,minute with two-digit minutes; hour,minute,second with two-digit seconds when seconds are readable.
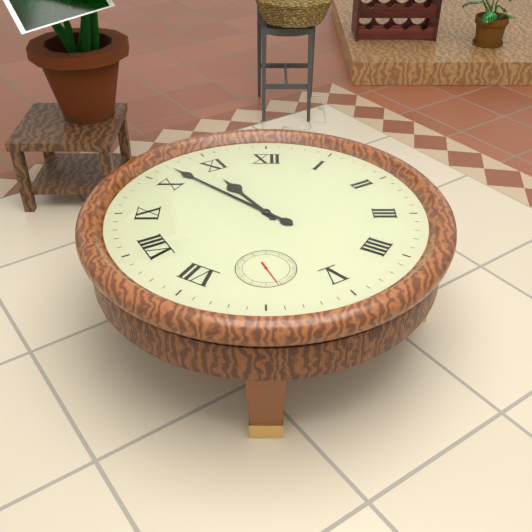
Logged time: 10,52
